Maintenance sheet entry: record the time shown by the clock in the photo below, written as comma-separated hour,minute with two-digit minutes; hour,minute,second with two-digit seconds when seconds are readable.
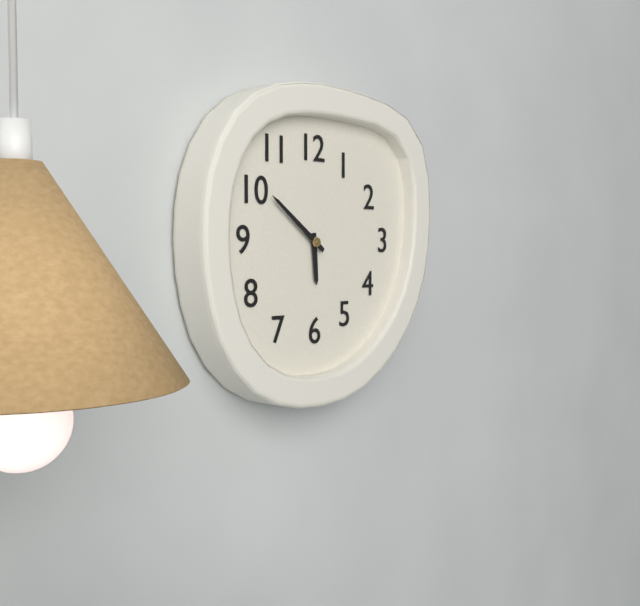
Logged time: 5,51
